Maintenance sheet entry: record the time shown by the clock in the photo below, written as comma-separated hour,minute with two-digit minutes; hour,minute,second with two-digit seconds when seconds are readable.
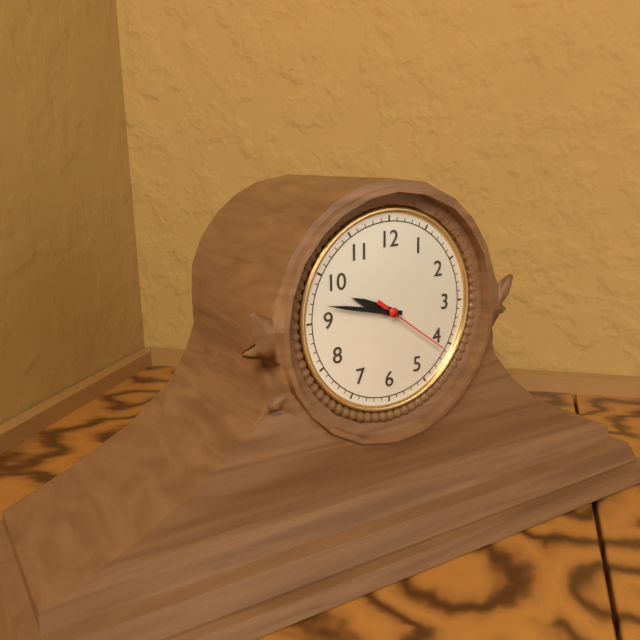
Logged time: 9,47,21
